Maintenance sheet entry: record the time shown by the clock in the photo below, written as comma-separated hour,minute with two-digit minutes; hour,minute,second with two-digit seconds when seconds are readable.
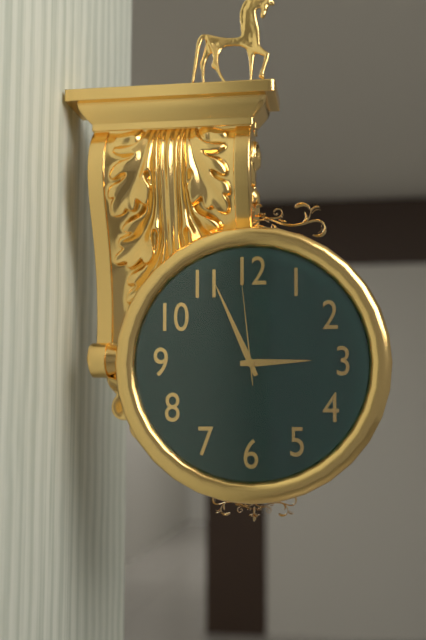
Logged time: 2,56,59
